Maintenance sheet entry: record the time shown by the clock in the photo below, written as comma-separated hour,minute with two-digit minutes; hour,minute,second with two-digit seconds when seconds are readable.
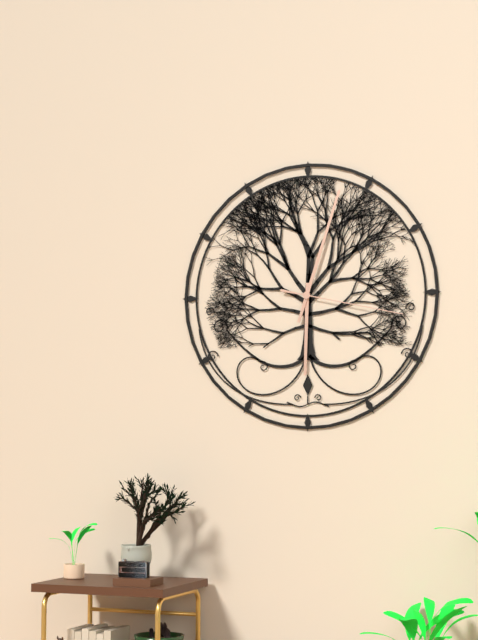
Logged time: 6,03,17
